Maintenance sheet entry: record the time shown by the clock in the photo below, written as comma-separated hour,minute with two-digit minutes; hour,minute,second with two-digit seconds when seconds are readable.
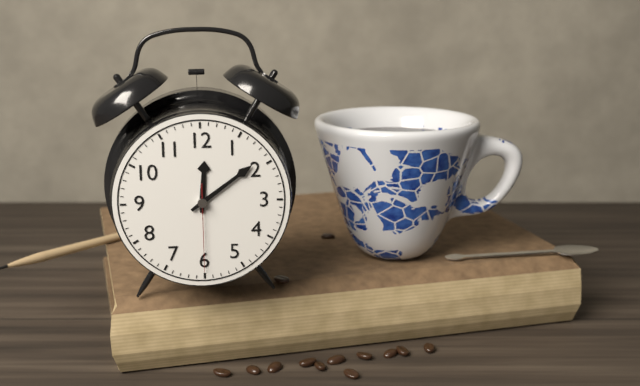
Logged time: 12,09,30
